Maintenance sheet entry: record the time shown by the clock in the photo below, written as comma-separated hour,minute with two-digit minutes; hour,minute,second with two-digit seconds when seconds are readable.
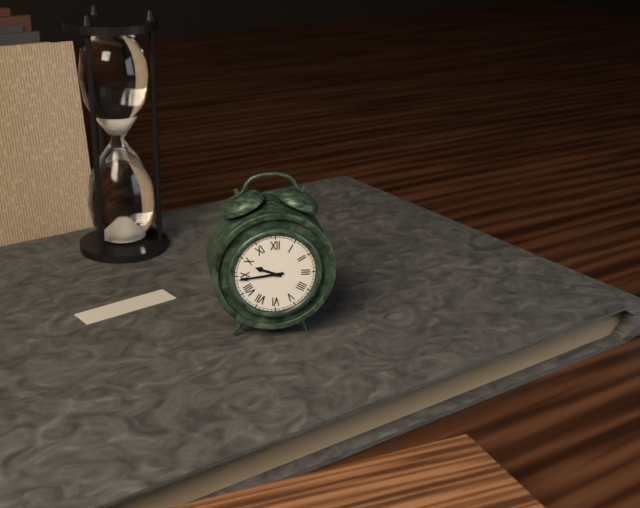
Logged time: 9,44
